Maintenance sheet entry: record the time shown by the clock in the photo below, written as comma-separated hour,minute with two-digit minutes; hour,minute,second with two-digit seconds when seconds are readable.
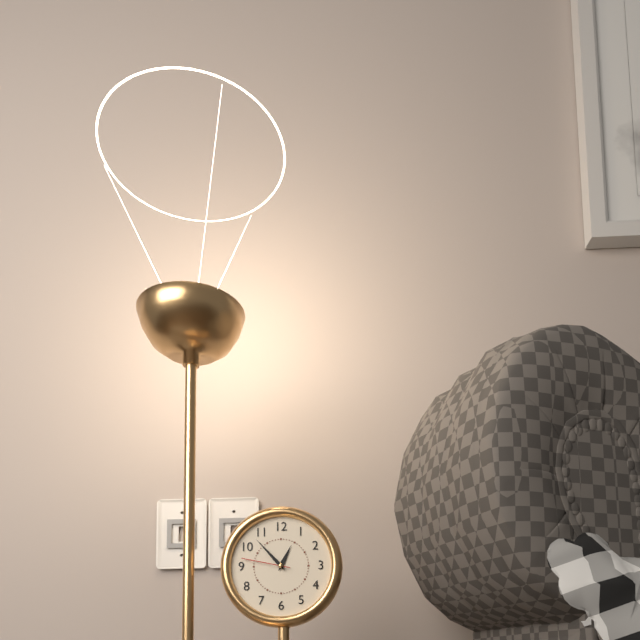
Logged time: 12,53,47
